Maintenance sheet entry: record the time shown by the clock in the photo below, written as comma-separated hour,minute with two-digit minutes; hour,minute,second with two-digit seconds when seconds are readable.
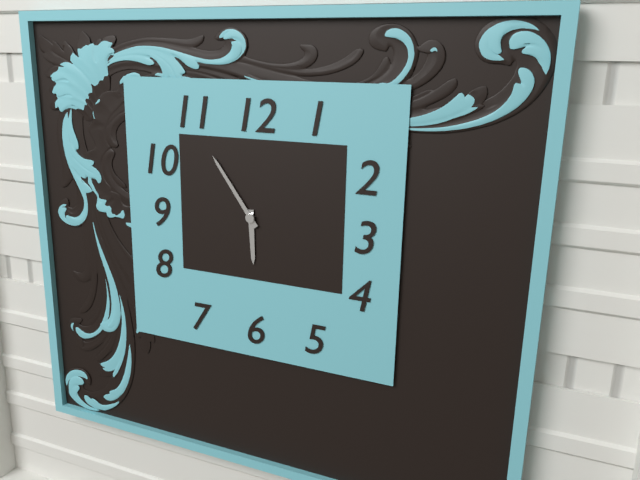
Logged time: 5,54
